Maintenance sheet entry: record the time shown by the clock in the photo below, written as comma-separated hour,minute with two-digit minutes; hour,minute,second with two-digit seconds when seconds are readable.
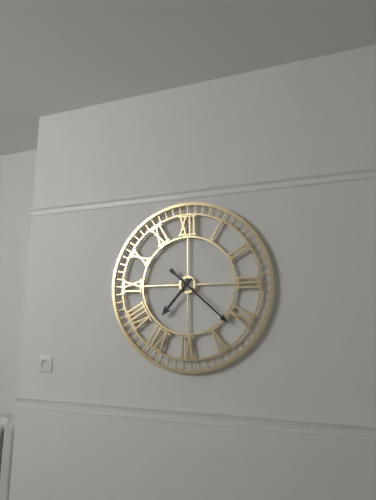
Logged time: 7,22
